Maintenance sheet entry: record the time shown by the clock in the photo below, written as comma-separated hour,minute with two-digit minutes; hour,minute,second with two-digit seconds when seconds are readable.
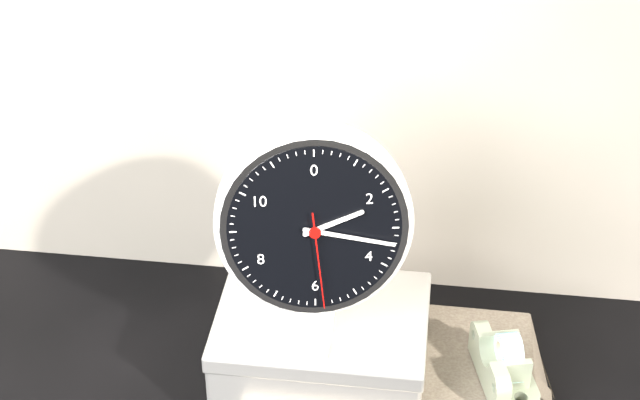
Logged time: 2,17,29
